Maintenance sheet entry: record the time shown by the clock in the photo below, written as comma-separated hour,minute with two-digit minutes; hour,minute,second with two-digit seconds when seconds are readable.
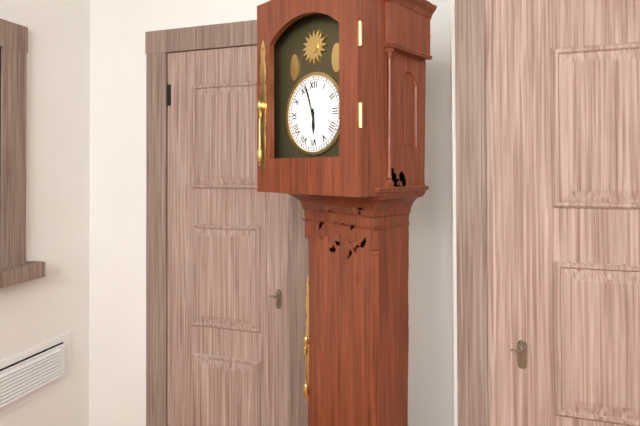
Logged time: 5,57
